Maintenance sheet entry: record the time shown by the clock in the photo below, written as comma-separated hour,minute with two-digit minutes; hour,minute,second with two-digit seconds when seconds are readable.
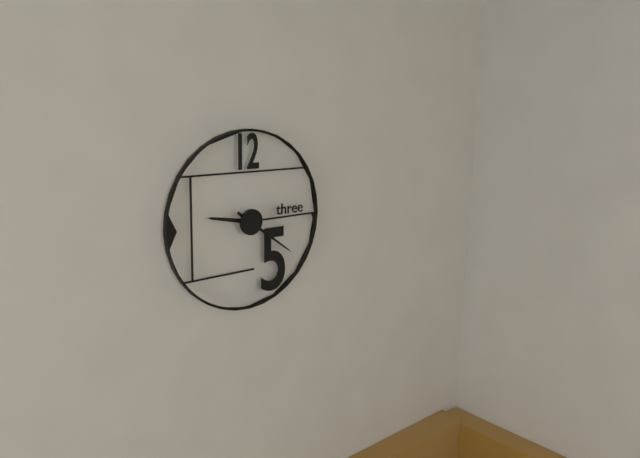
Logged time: 9,21
